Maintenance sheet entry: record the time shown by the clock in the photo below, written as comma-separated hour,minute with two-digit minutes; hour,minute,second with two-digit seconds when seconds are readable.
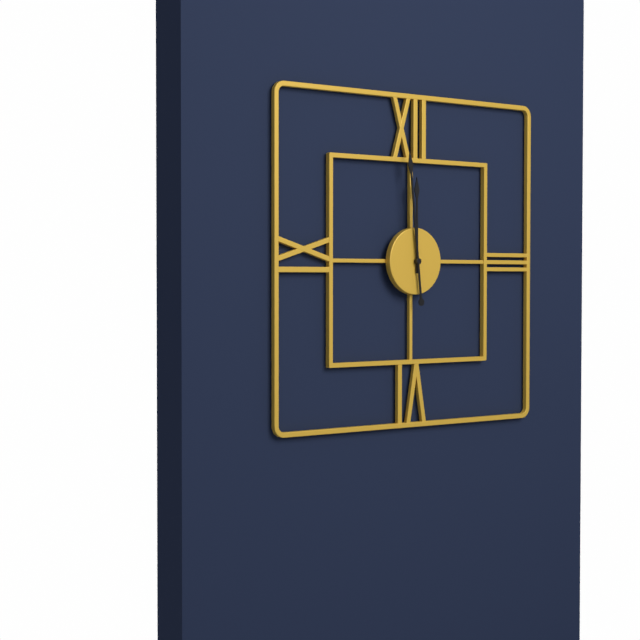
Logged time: 11,59
